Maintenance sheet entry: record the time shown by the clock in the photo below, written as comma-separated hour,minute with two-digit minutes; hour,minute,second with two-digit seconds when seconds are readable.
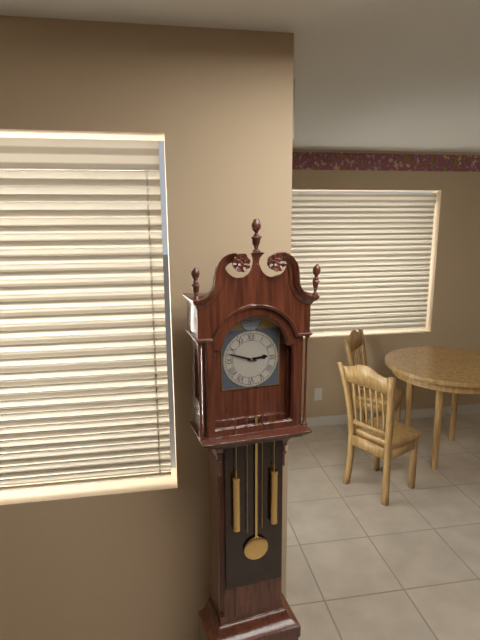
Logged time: 2,48
